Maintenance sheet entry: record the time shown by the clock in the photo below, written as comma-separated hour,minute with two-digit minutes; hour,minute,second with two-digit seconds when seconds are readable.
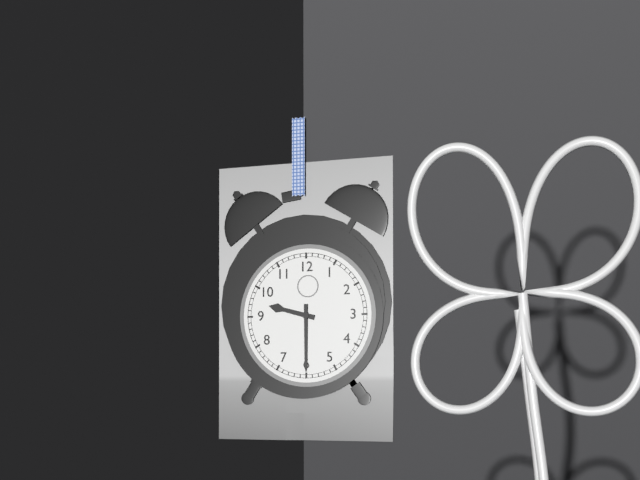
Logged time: 9,30
